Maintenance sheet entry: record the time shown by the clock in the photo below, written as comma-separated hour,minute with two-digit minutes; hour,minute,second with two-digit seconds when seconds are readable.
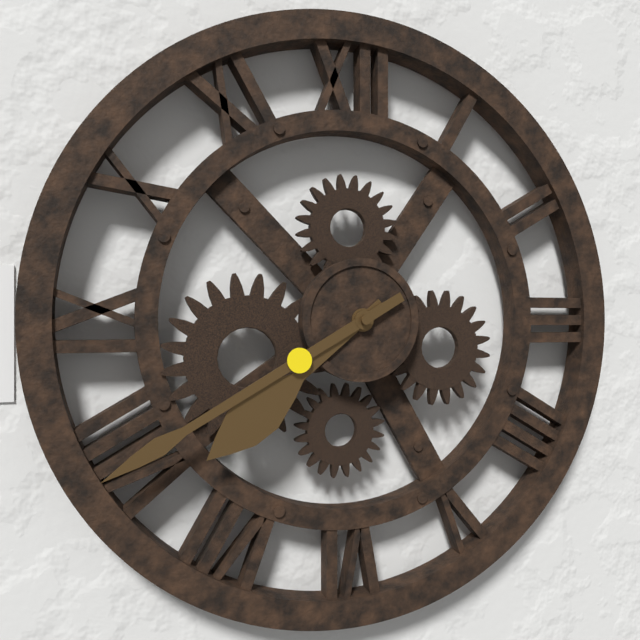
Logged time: 7,40
